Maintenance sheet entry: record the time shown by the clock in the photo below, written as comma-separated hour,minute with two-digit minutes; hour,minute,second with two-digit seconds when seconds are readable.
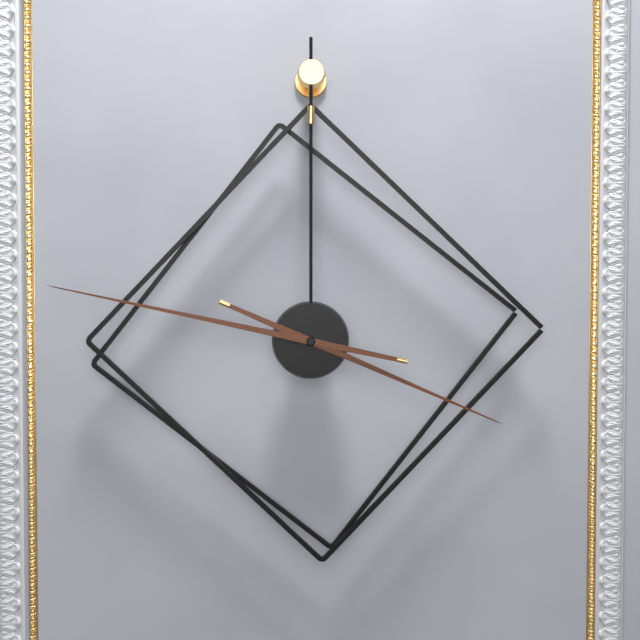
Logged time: 3,47
